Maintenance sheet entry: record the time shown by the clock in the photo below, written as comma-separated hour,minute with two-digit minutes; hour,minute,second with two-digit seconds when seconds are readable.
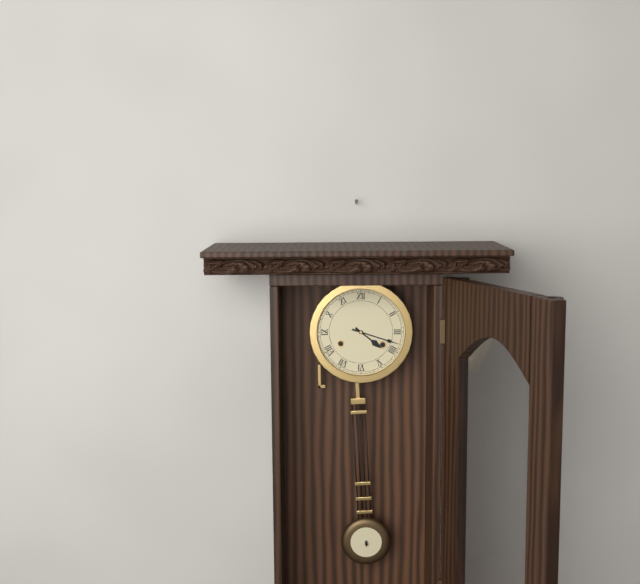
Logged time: 4,18
